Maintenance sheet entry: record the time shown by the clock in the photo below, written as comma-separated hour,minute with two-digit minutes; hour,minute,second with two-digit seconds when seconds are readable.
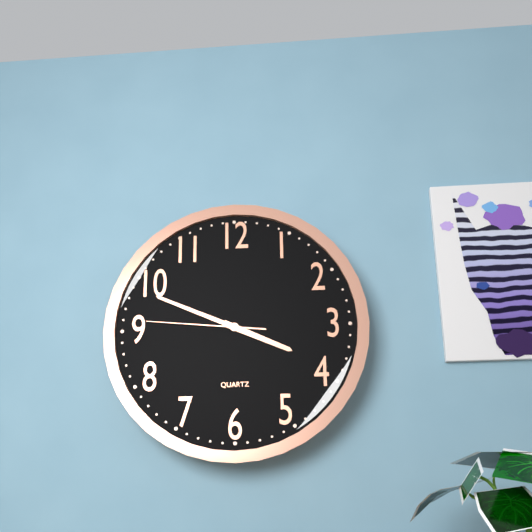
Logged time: 3,49,46
